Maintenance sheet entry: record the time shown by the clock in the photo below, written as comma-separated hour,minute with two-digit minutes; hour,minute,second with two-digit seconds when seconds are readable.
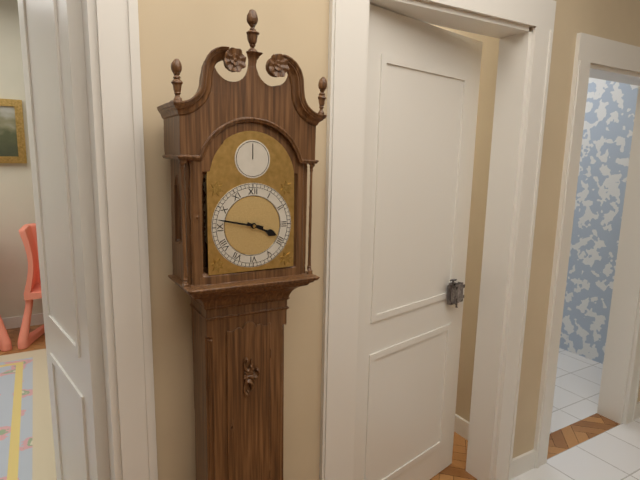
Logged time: 3,47
